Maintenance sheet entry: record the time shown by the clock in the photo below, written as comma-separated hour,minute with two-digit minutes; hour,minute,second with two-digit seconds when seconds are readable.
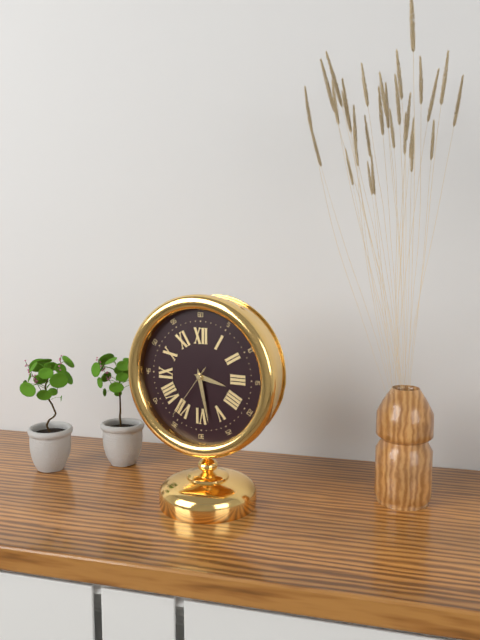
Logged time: 3,28,36
